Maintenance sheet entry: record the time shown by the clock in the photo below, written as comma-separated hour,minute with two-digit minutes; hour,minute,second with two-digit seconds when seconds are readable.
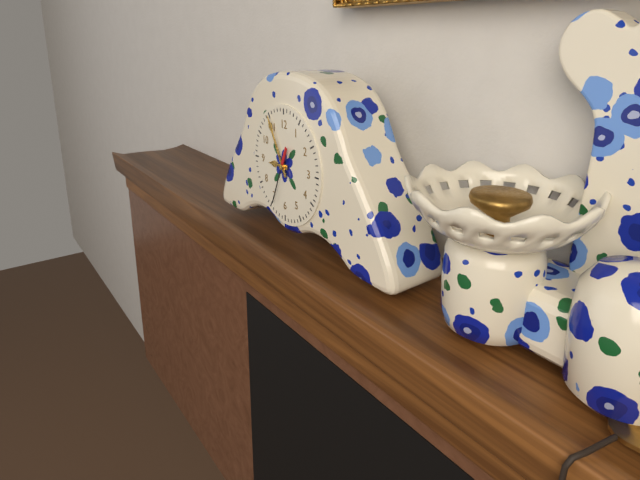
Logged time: 8,55,34
